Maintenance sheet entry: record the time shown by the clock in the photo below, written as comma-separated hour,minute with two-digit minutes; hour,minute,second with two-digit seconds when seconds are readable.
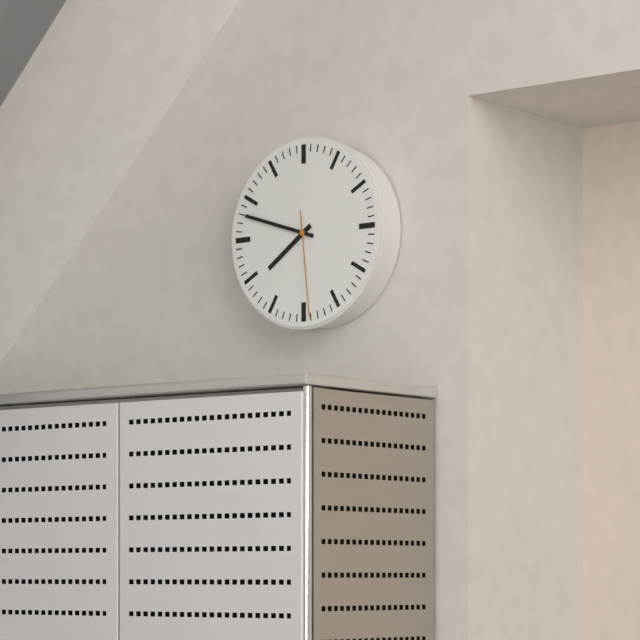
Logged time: 7,48,29
